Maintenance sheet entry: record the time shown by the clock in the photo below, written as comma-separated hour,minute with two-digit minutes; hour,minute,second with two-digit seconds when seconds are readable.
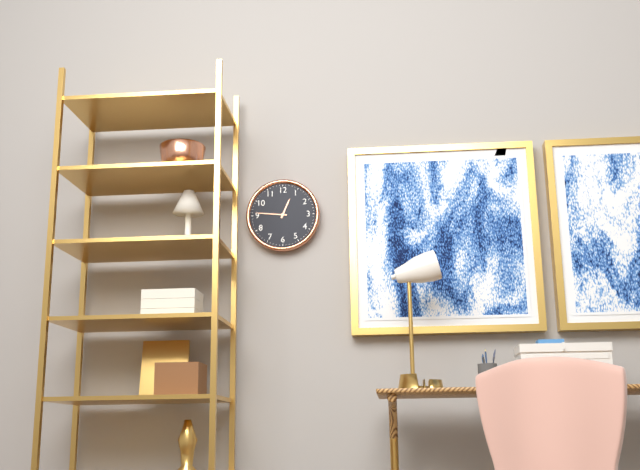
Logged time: 12,46
